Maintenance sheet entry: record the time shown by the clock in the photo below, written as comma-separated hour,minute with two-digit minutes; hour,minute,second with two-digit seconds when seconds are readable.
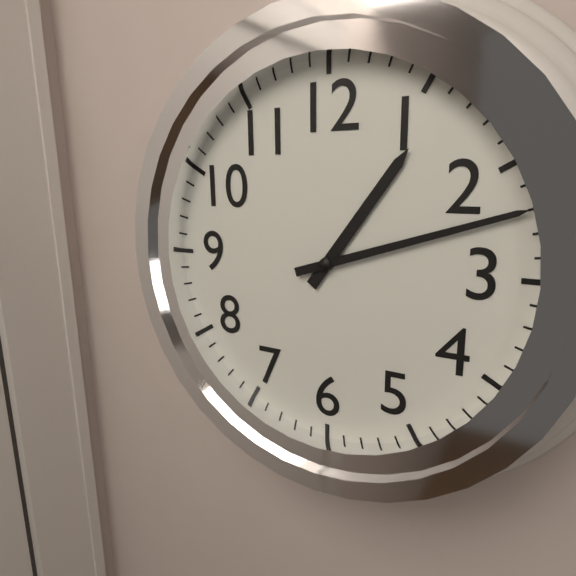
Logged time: 1,12
